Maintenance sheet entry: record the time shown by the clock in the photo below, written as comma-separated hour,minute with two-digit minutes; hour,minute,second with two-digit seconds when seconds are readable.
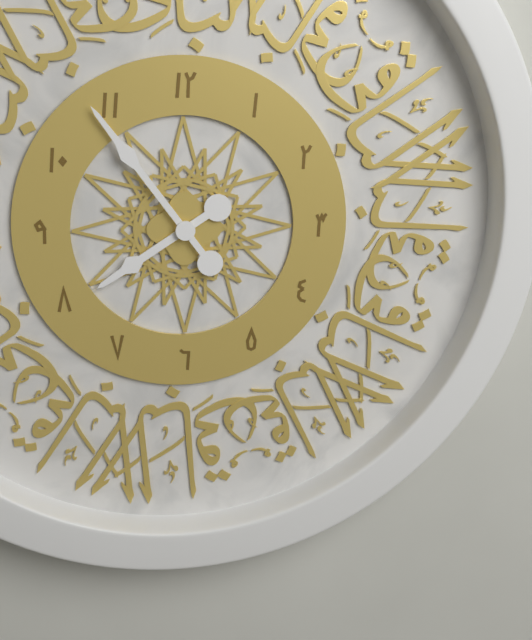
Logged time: 7,54
